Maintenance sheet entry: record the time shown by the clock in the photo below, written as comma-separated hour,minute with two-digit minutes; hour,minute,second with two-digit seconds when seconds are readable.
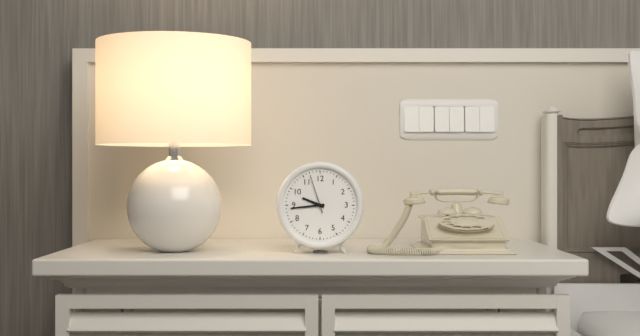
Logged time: 9,44
